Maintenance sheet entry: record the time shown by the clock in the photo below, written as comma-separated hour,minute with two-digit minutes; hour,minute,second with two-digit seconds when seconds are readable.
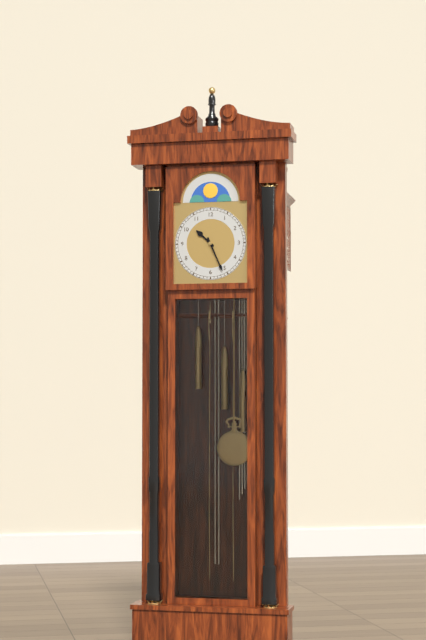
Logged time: 10,26
